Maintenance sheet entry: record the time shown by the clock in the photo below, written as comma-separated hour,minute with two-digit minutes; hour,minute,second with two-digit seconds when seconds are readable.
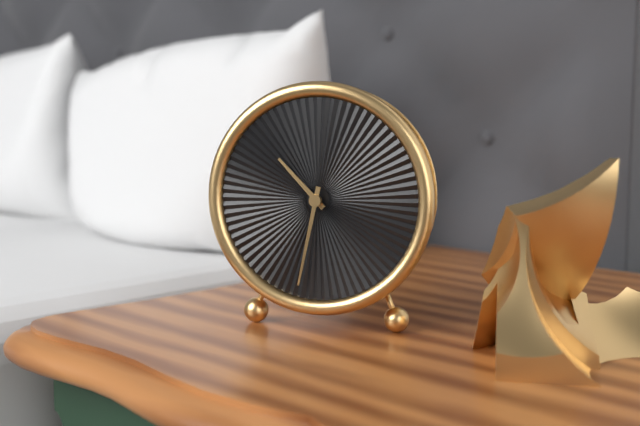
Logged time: 10,32
